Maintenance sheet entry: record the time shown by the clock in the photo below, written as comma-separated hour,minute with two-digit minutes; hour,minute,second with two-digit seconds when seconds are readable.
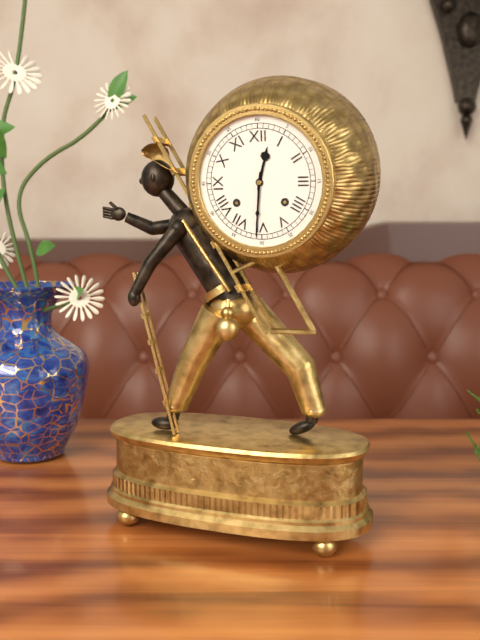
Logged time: 12,31
